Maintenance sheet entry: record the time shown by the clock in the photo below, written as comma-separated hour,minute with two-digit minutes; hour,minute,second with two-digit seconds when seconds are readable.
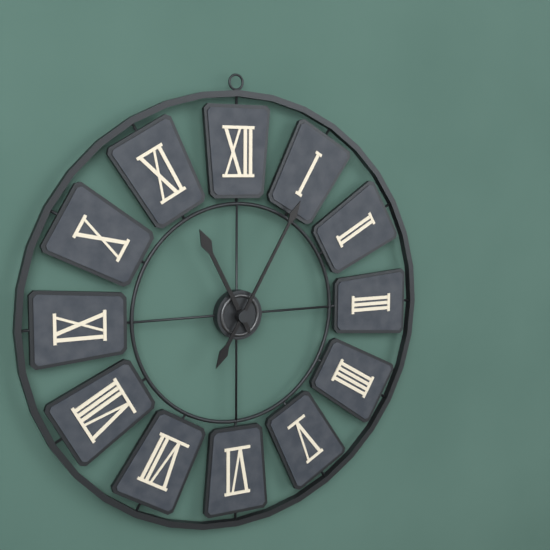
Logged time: 11,05
